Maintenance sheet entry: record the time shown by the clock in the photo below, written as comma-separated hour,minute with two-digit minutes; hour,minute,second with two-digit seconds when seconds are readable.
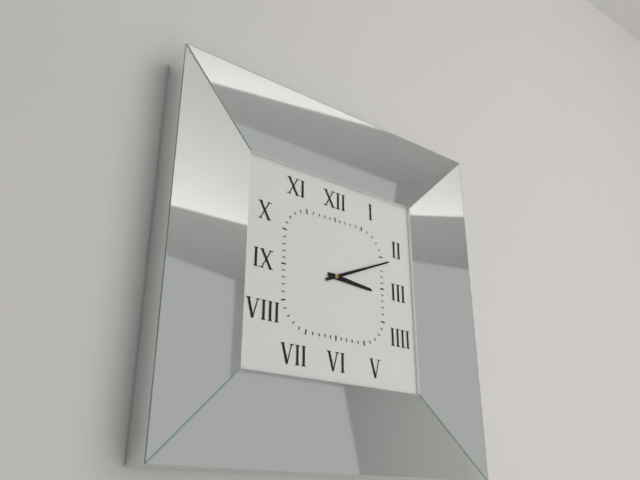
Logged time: 3,11
